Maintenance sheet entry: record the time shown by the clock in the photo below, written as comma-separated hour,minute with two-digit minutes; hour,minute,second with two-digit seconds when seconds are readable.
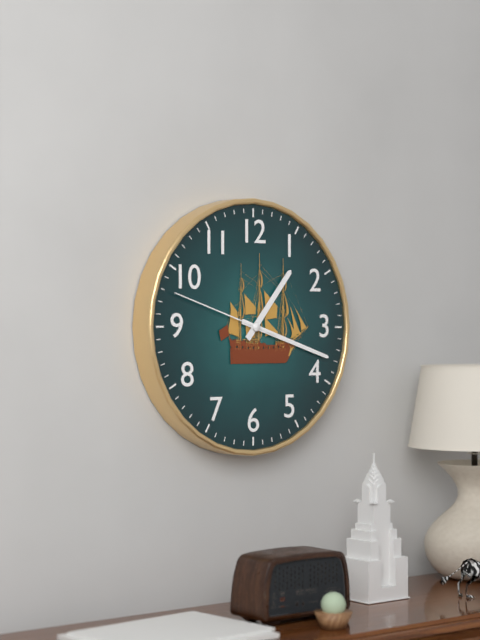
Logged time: 1,18,48
